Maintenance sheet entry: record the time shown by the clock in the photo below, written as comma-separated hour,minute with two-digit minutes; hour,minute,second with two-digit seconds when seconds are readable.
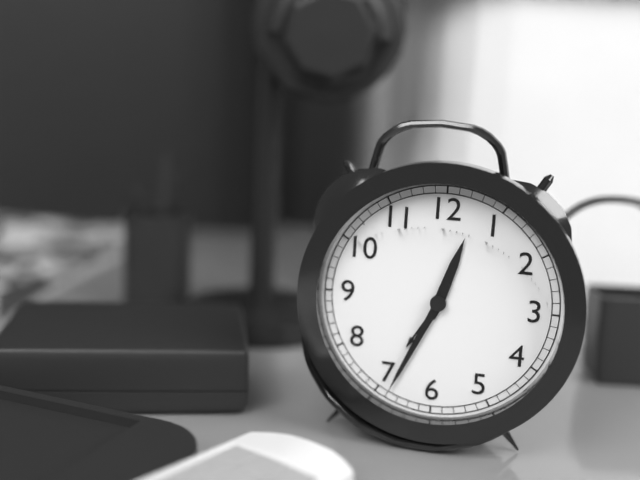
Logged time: 12,34
